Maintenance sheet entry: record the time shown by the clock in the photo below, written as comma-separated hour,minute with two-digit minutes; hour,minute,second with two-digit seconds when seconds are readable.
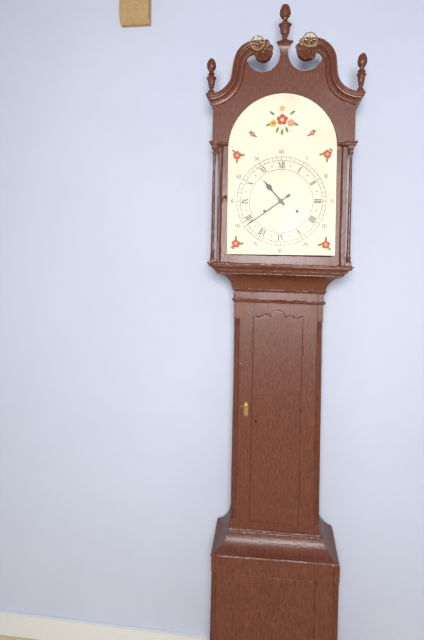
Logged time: 10,39
